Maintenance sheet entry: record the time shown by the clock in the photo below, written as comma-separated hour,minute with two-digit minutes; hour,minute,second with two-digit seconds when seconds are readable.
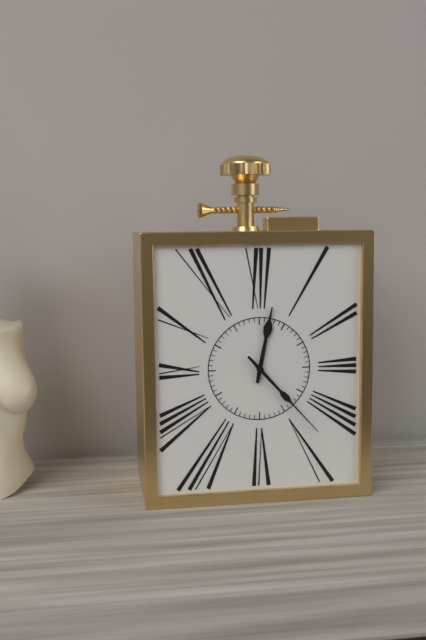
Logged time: 12,23
